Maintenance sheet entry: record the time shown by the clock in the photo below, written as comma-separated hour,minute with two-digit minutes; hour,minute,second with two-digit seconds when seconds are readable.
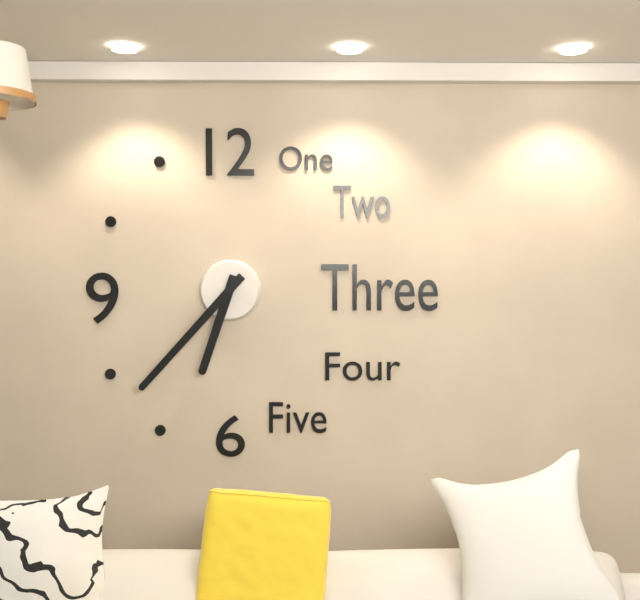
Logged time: 6,37
